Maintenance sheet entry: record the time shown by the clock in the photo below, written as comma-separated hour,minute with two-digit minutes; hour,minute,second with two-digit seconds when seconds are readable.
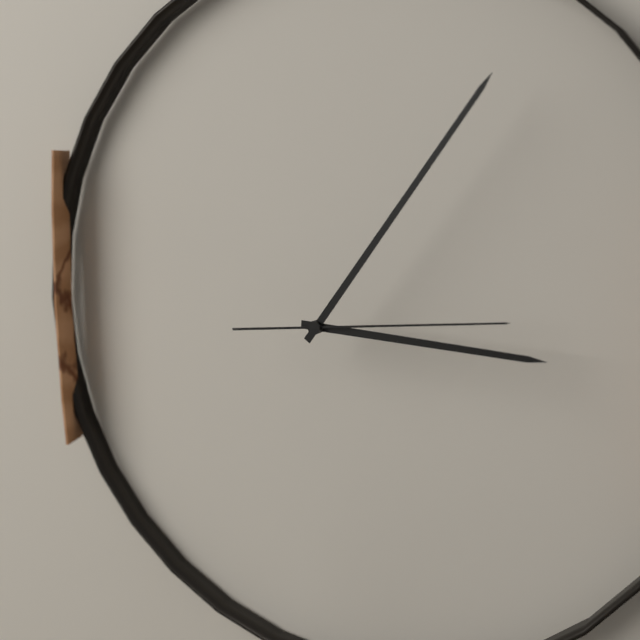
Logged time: 3,06,14
